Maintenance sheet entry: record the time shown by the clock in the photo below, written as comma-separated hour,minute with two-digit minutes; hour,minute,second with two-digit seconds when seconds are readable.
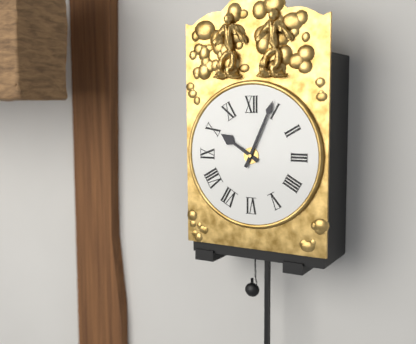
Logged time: 10,04
